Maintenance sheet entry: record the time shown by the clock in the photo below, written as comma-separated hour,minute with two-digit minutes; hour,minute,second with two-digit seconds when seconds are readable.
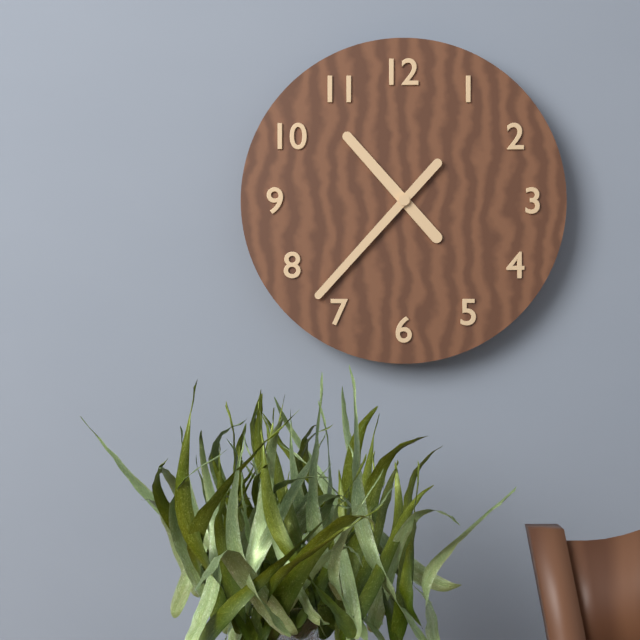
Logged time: 10,37
